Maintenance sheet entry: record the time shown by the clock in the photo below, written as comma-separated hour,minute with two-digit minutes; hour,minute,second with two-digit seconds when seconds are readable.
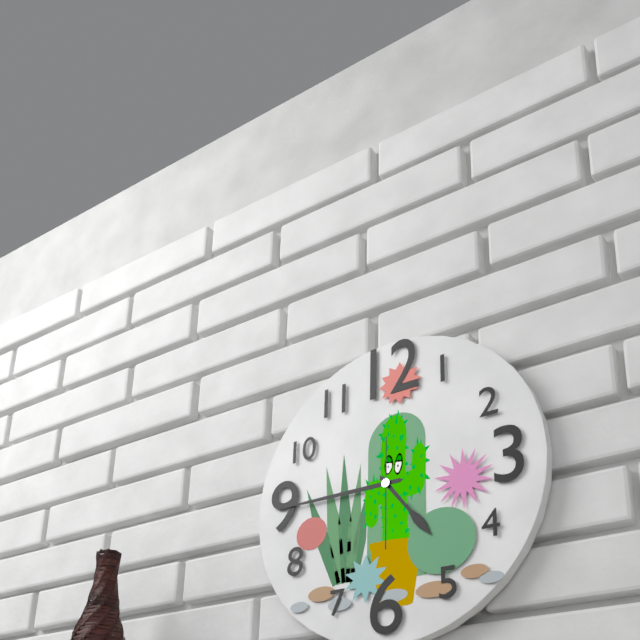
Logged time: 4,45,30
